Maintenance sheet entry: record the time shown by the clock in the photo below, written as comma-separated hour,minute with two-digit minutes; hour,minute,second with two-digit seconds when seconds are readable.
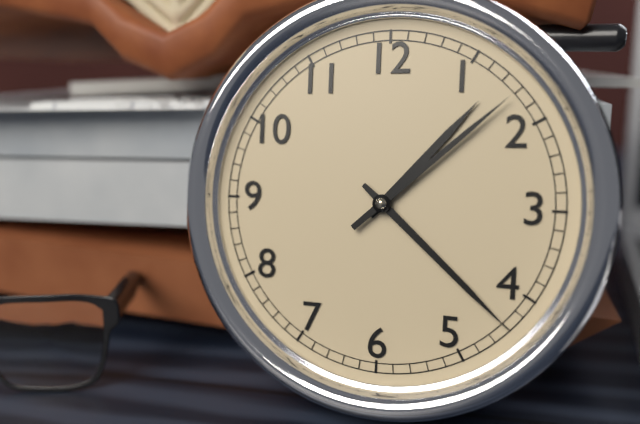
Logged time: 1,22,08
